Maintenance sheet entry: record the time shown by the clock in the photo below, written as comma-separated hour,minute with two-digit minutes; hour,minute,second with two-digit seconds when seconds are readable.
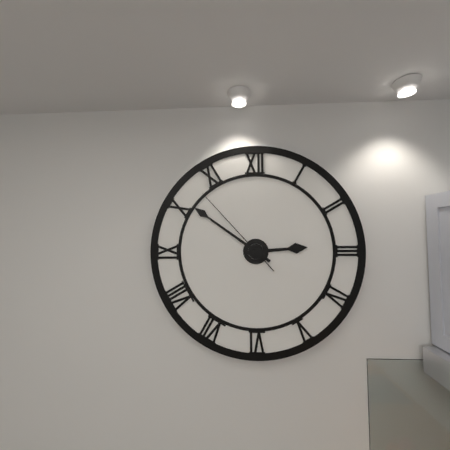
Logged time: 2,51,53
